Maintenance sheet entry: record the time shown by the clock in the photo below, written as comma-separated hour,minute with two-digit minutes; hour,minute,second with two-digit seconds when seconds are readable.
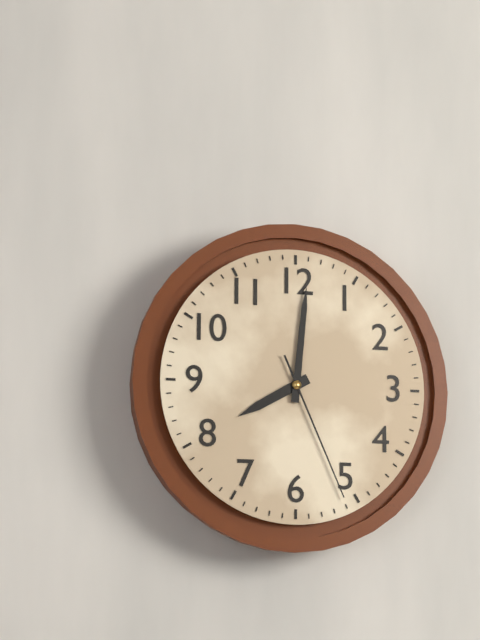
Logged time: 8,01,26
